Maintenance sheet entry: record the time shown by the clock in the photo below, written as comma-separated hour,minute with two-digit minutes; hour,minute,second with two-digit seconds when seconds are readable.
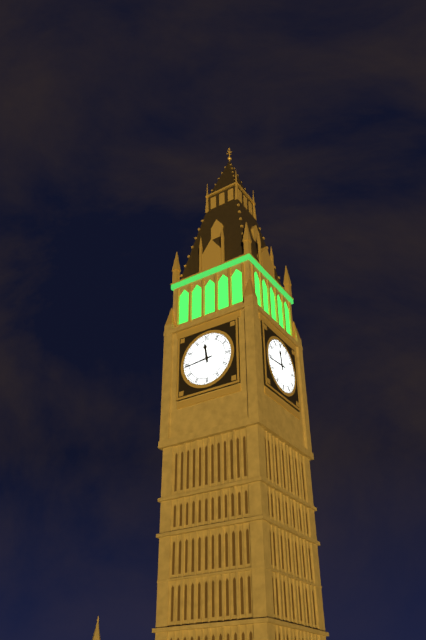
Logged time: 11,44
